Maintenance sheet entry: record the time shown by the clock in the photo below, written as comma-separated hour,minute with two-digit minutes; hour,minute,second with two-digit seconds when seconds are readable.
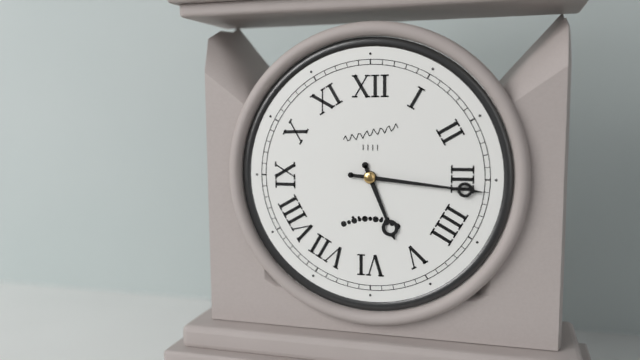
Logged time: 5,16
